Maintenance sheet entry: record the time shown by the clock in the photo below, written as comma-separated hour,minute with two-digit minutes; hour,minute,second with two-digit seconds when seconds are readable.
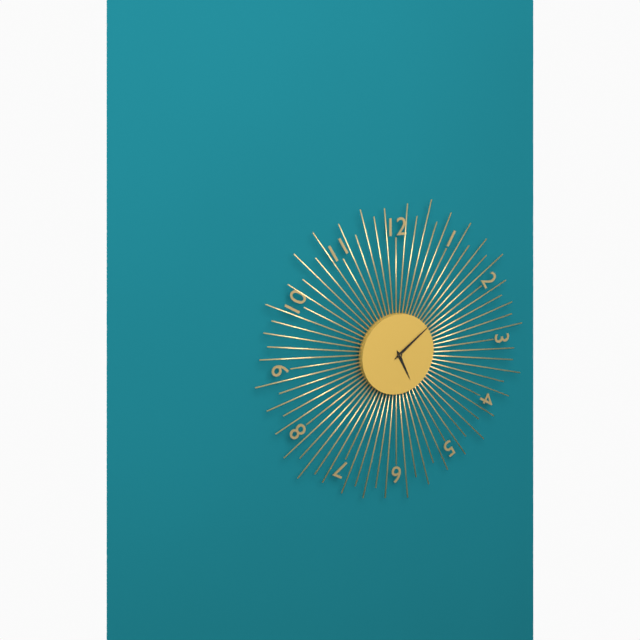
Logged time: 5,09
